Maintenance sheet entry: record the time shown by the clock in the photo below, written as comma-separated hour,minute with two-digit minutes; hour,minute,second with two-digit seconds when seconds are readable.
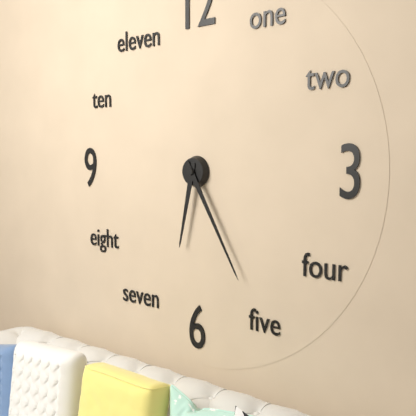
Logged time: 6,25
